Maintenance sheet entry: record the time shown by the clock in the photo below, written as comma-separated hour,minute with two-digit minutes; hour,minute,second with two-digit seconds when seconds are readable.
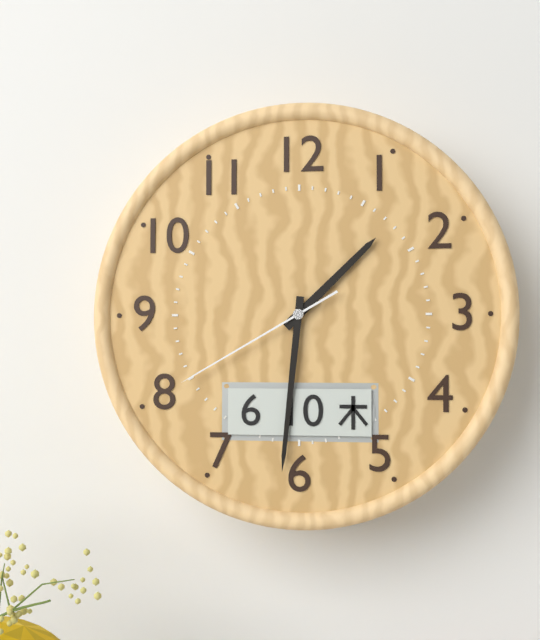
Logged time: 1,31,40
